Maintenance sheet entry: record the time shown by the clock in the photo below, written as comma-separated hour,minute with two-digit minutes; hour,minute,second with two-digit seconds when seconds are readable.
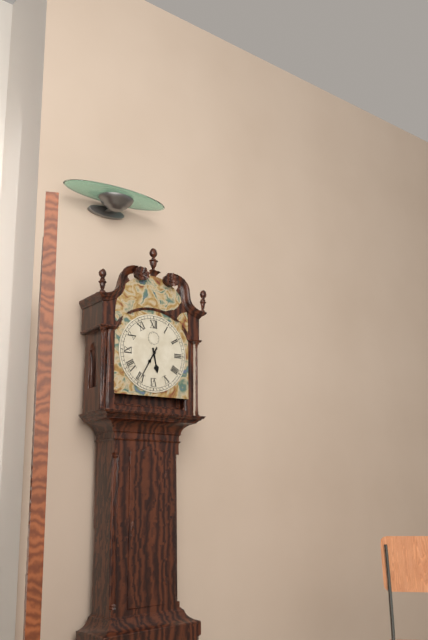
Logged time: 5,35
